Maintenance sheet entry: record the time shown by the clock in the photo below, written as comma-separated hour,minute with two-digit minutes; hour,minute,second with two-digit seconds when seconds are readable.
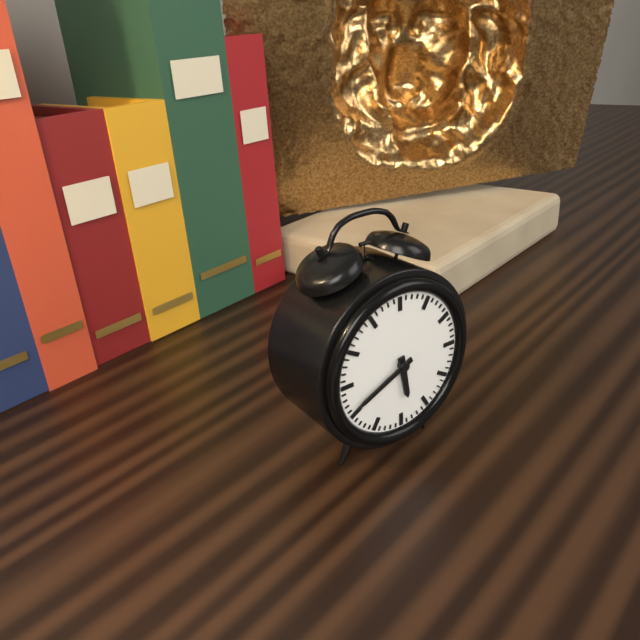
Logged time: 5,41
